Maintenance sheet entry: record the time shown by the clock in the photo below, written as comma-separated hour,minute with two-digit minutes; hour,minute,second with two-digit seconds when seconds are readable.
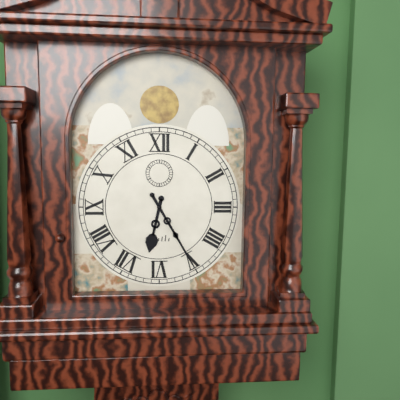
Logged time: 6,25
